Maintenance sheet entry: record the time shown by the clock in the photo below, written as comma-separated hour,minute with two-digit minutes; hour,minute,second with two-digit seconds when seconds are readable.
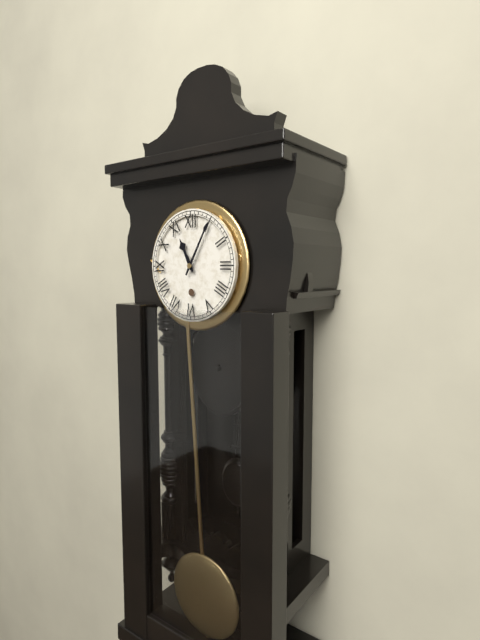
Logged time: 11,05
